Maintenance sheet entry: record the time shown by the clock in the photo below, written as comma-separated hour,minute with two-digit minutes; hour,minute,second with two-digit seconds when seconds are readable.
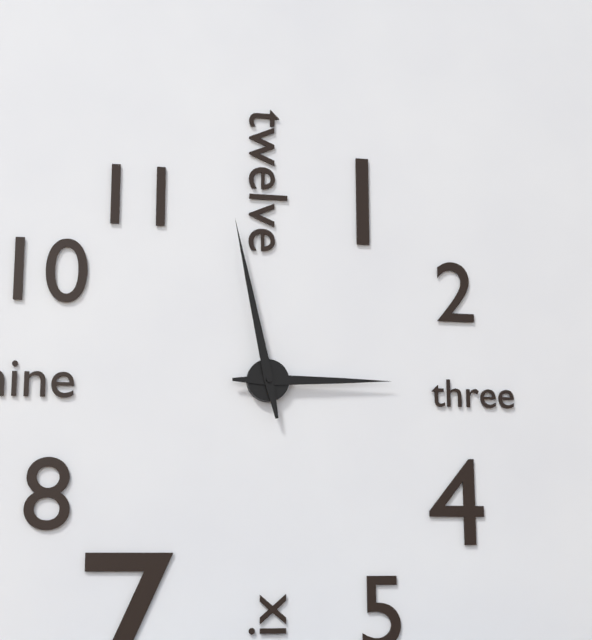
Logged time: 2,58
